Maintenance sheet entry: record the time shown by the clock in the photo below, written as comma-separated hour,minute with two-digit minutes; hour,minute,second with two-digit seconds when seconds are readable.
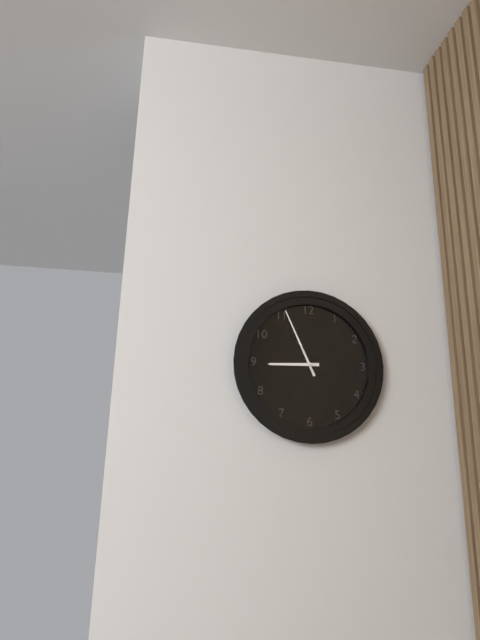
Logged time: 8,56
